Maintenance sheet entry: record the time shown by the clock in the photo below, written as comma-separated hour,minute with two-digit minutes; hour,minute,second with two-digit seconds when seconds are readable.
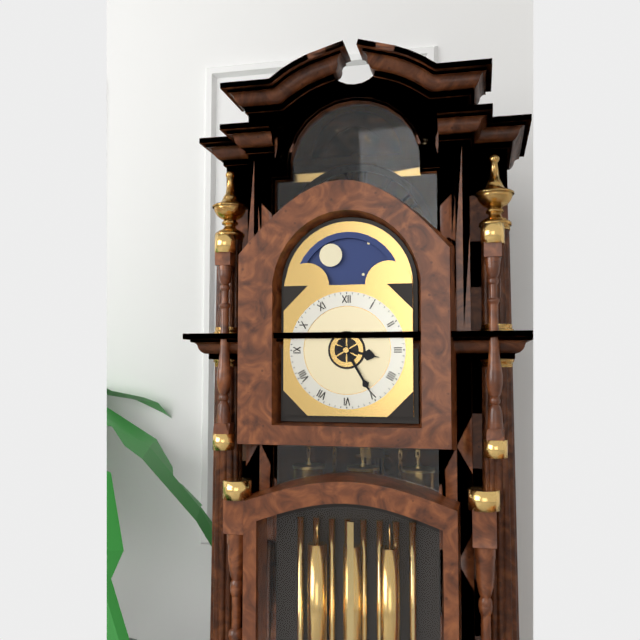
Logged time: 3,25
